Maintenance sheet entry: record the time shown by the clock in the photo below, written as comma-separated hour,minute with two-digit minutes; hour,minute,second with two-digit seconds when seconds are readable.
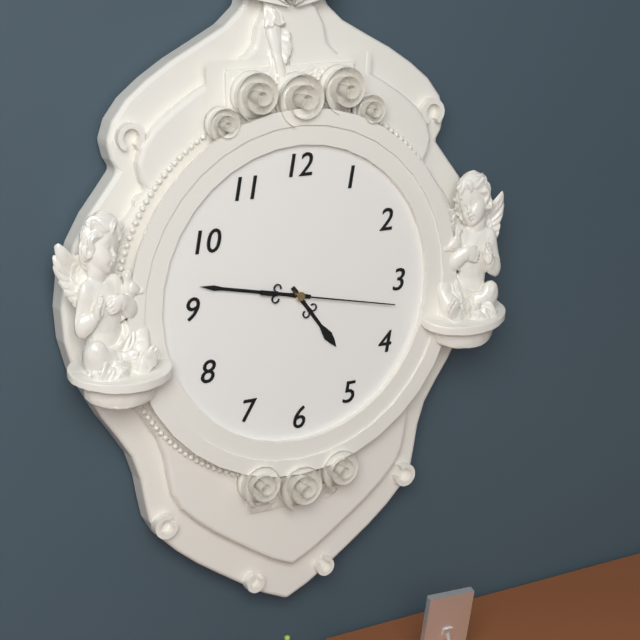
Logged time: 4,47,17
